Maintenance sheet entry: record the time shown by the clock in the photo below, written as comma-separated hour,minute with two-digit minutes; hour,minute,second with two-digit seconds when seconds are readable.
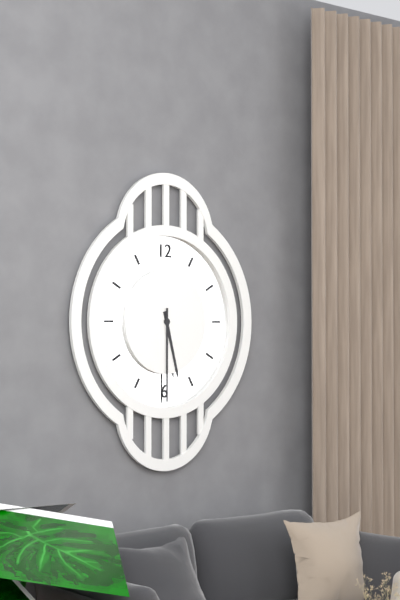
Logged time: 5,30
